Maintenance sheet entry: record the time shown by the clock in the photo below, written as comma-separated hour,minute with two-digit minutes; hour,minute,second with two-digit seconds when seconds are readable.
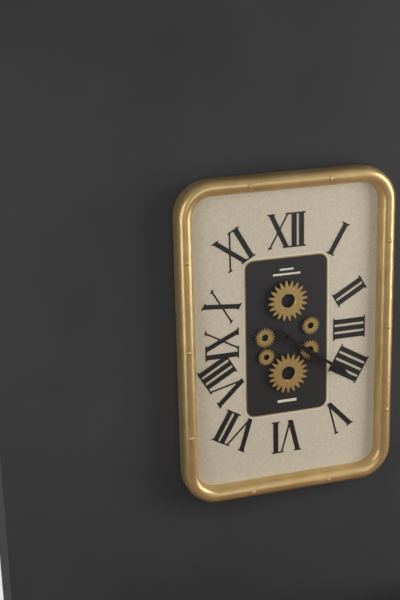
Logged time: 4,21
